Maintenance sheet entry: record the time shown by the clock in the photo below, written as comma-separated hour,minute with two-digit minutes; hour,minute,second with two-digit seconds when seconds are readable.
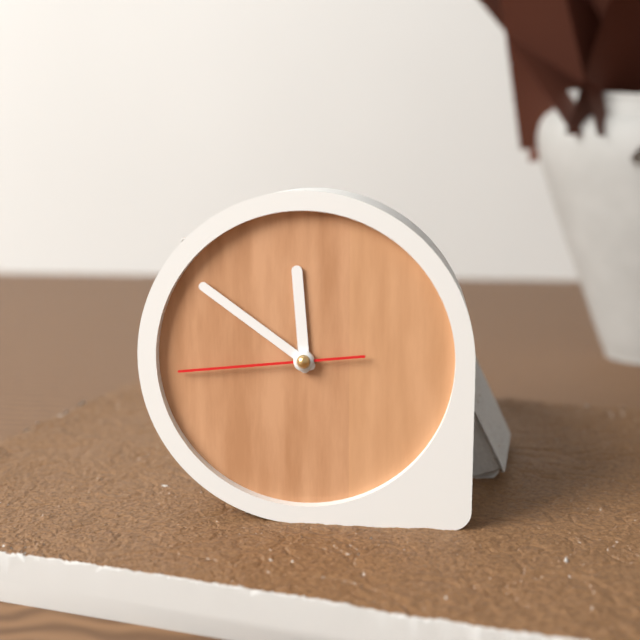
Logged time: 11,51,44
